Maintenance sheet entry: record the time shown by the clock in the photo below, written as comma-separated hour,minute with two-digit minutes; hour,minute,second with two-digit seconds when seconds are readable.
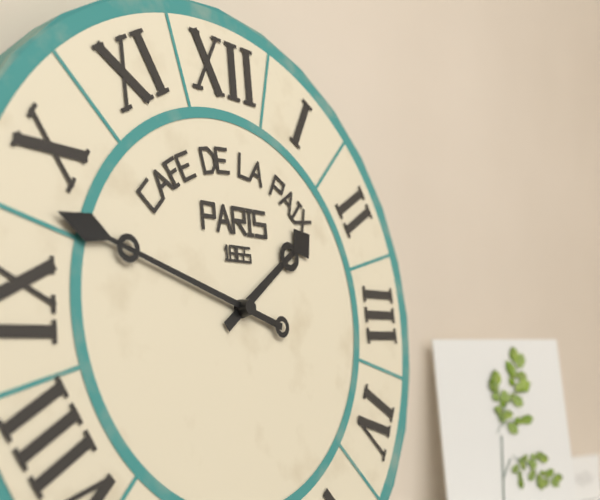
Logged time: 1,48
